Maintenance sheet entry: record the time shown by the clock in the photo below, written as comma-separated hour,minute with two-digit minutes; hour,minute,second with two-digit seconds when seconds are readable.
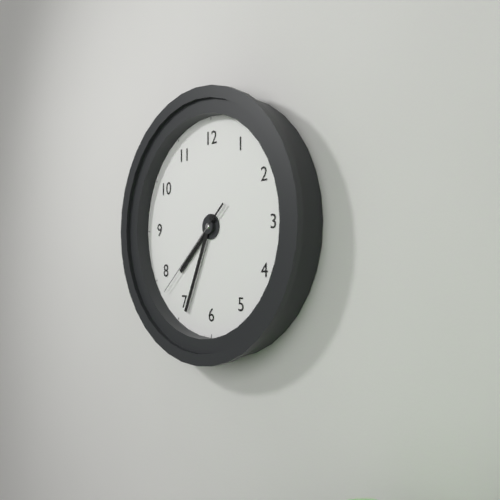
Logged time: 7,34,38
